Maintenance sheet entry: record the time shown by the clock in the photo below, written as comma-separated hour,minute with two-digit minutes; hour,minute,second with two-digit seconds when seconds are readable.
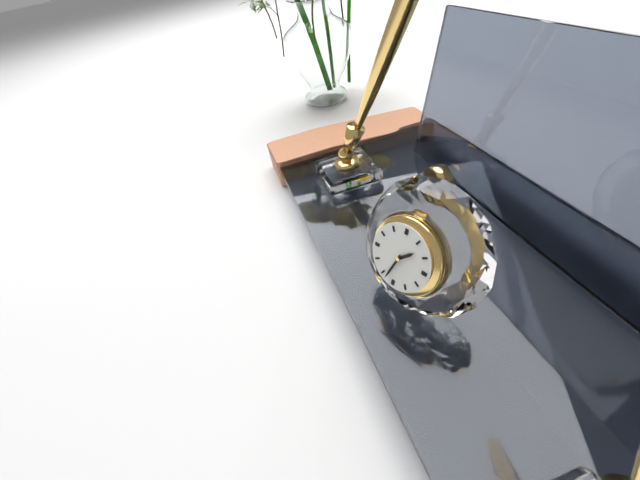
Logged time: 1,33
